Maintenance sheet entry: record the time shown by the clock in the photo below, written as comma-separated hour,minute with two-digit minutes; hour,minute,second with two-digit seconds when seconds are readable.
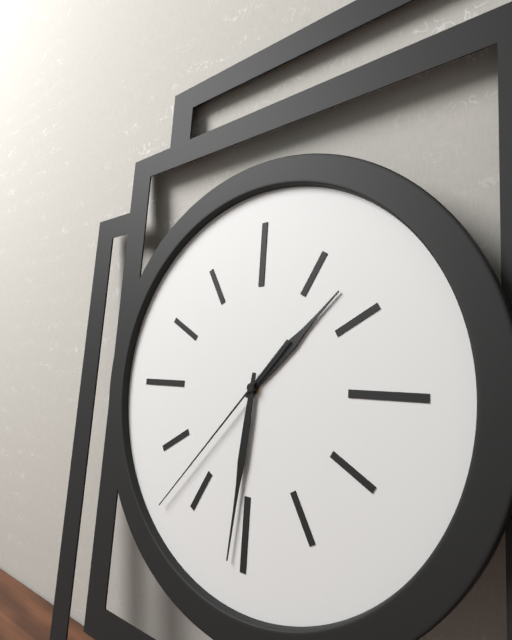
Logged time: 1,31,37
